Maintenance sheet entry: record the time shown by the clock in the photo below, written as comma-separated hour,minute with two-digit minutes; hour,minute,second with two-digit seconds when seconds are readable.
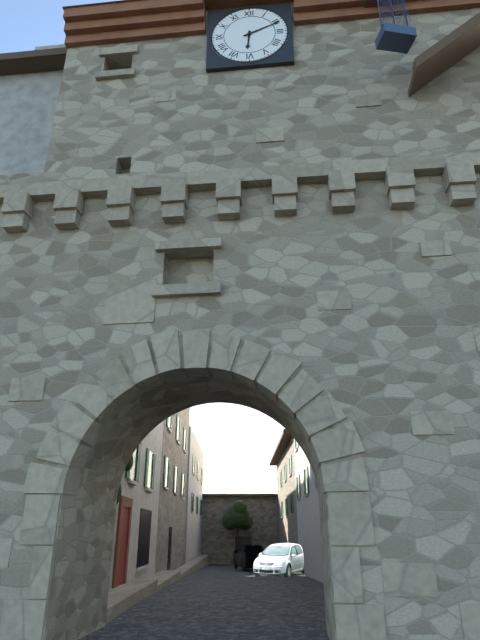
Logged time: 6,11
